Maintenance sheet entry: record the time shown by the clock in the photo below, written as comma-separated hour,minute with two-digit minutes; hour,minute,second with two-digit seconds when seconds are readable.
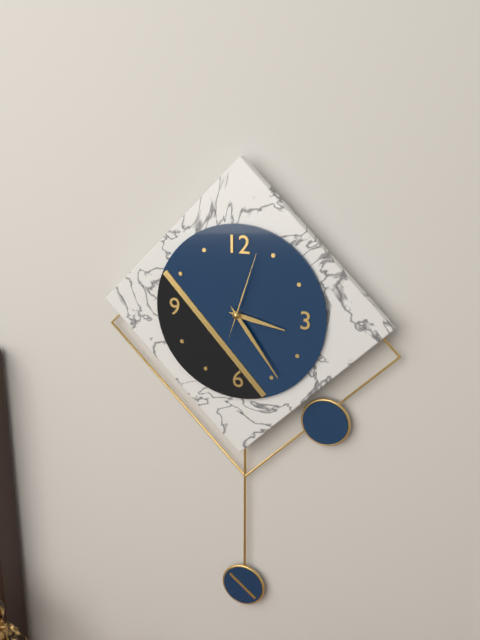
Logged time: 3,24,03
